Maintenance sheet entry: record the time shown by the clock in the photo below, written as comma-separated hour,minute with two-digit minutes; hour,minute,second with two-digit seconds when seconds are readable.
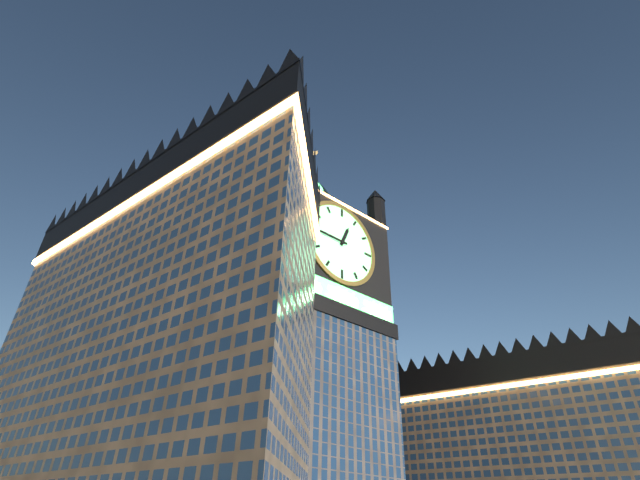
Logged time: 12,45
